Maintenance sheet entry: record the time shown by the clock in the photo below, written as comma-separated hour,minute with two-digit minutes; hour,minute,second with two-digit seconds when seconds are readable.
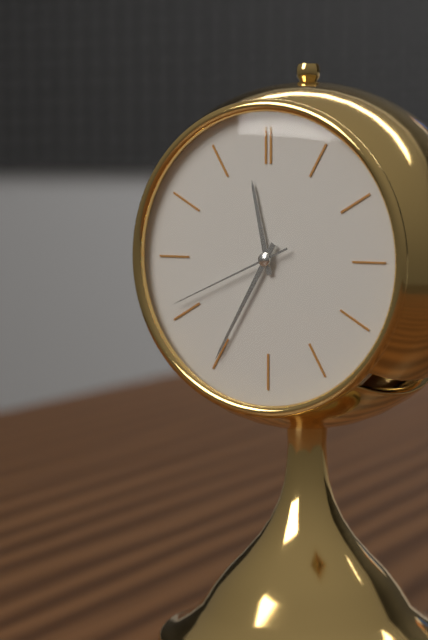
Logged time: 11,35,41
